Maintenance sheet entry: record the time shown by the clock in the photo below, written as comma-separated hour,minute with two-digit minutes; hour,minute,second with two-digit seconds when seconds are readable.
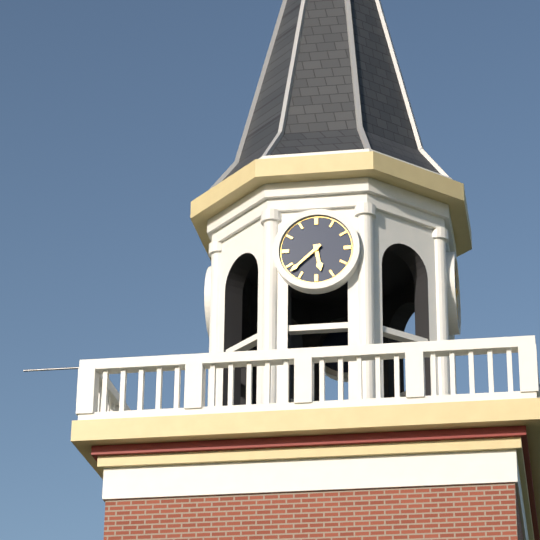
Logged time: 5,38
